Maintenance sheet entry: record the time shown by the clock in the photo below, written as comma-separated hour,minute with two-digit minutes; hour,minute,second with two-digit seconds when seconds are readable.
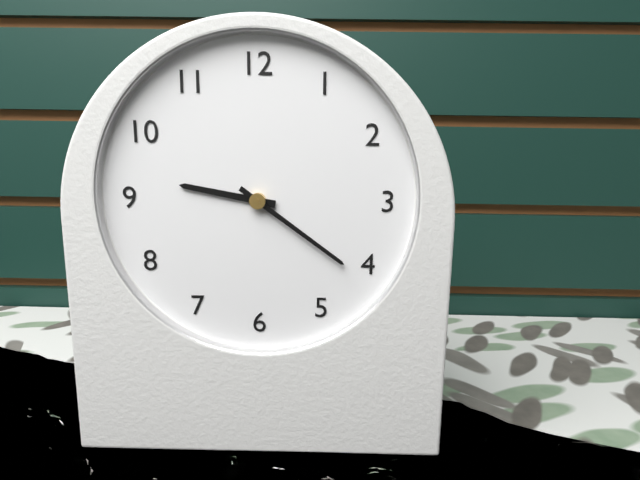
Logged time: 9,21
